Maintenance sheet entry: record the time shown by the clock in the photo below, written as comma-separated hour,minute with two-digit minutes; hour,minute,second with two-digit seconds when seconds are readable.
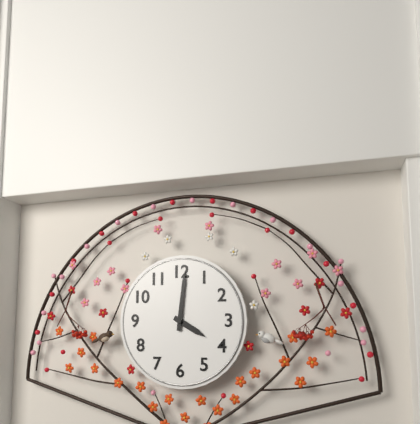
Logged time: 4,01
